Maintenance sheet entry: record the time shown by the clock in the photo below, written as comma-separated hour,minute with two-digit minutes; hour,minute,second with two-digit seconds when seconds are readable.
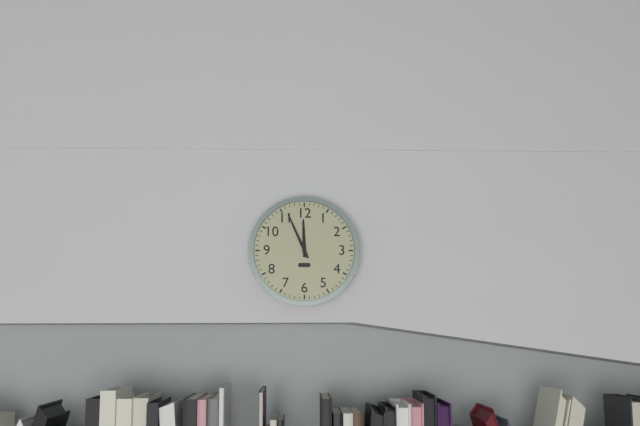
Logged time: 11,56
